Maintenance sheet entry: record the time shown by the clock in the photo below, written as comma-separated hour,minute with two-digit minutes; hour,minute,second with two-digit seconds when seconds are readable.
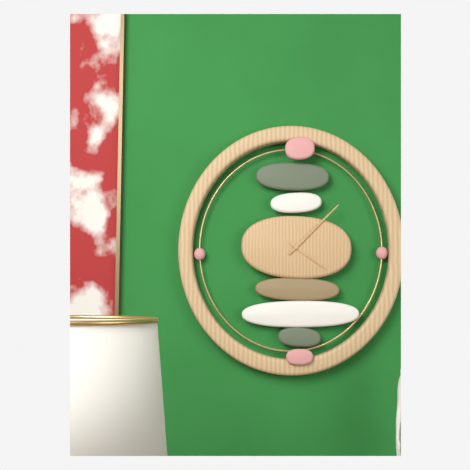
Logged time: 4,08
